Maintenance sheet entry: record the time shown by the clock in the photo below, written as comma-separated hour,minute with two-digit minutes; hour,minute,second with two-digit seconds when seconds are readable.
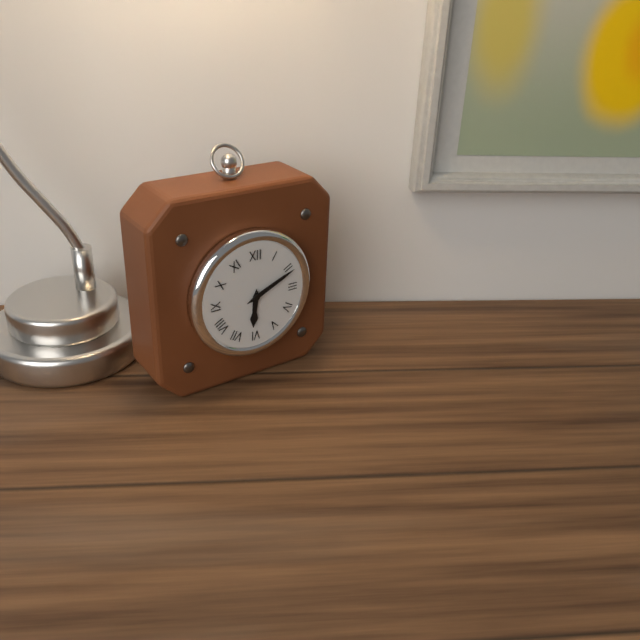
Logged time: 6,11
